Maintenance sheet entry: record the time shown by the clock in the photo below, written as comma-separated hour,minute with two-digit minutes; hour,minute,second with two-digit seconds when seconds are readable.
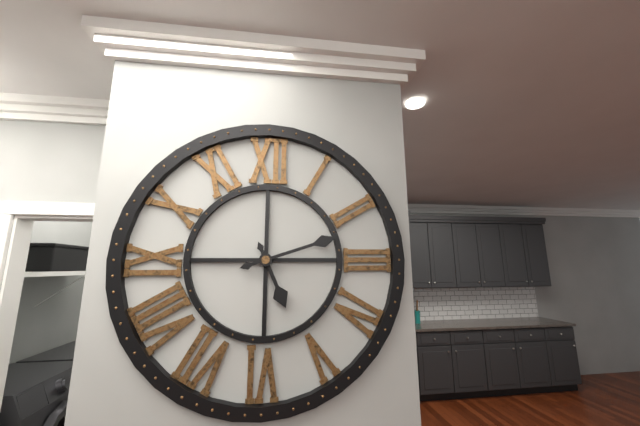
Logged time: 5,12
